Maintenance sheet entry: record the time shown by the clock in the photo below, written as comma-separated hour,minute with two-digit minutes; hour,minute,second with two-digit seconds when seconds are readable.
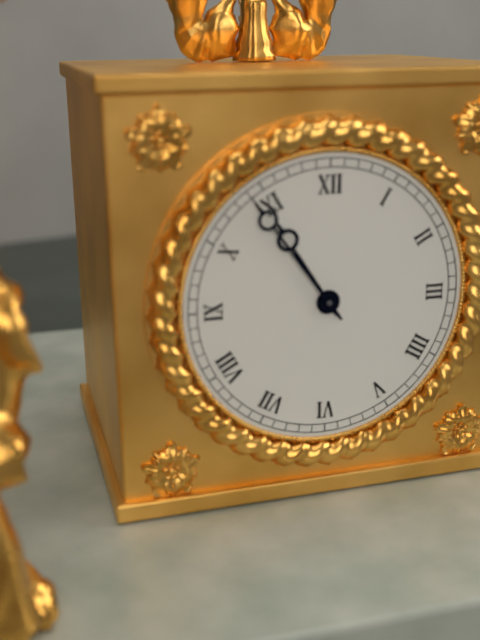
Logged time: 10,54
